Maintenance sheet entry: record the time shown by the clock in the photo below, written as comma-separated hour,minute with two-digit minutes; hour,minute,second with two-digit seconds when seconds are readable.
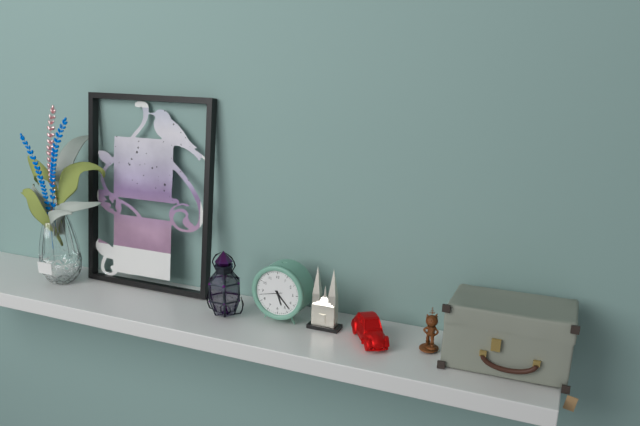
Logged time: 5,23
